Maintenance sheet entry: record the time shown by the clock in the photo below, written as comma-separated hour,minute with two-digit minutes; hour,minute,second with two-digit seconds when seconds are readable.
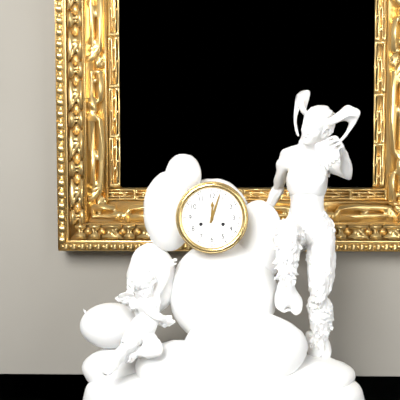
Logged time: 12,03
